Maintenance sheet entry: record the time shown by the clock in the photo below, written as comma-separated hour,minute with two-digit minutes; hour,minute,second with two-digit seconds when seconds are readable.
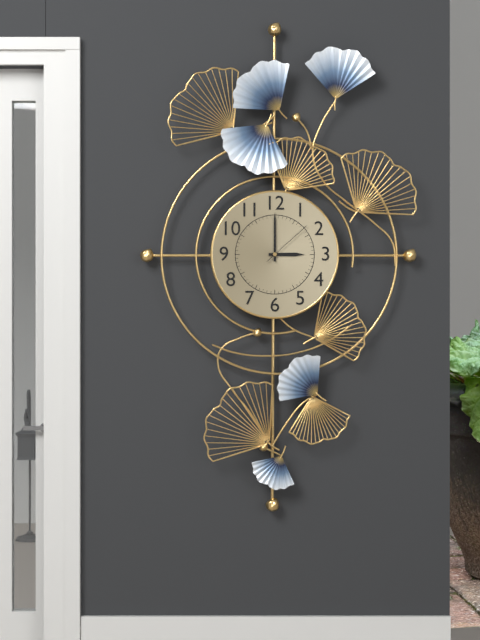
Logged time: 3,00,08
